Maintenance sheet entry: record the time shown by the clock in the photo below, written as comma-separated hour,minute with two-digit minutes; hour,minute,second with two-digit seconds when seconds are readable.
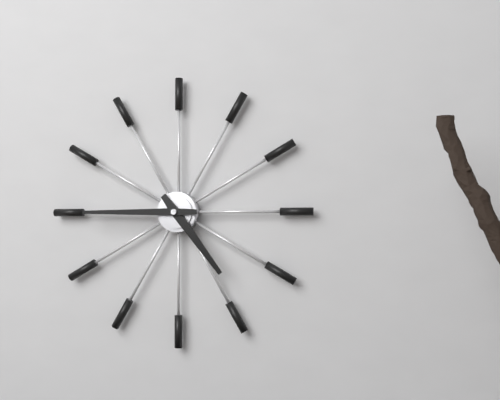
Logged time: 4,45
